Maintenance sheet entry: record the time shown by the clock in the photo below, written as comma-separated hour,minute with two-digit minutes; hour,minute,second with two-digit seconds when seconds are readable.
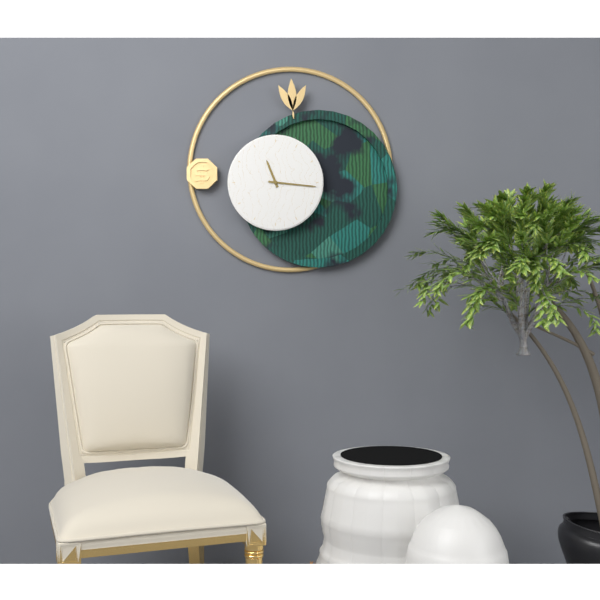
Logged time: 11,16
